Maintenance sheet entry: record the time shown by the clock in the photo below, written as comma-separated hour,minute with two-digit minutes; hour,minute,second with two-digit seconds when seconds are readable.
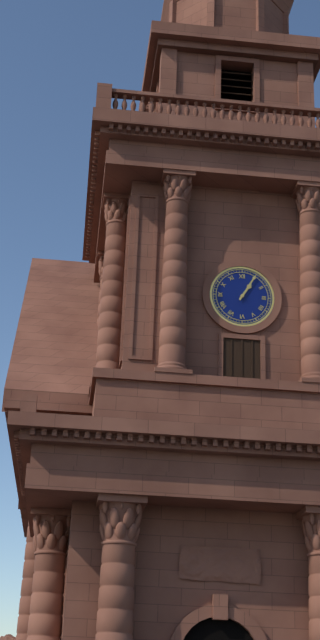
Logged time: 1,05
